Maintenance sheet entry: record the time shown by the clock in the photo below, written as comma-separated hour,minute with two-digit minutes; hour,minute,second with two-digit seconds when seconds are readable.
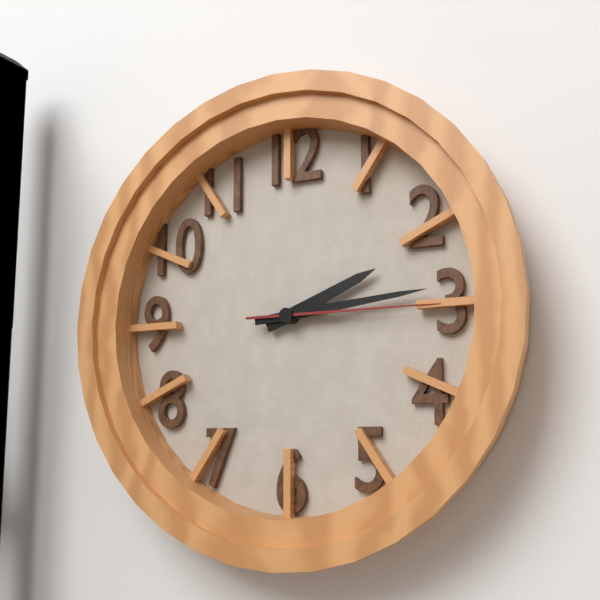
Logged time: 2,14,15
